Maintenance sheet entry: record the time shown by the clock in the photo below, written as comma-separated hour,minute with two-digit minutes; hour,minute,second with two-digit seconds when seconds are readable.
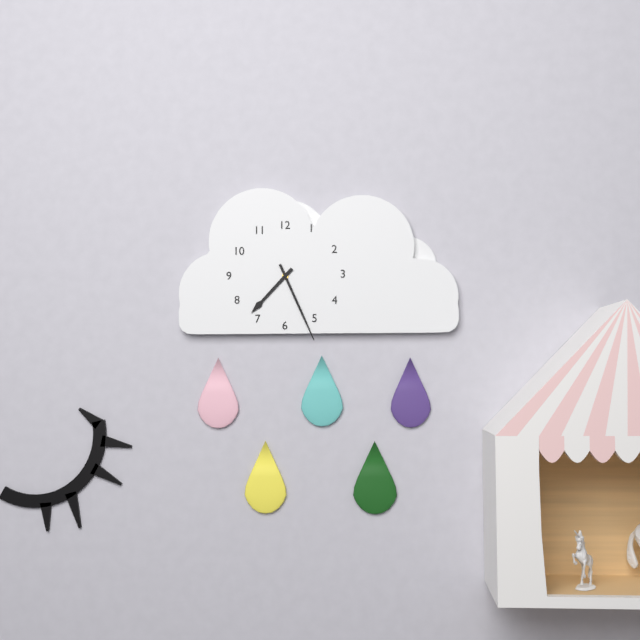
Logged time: 7,26
